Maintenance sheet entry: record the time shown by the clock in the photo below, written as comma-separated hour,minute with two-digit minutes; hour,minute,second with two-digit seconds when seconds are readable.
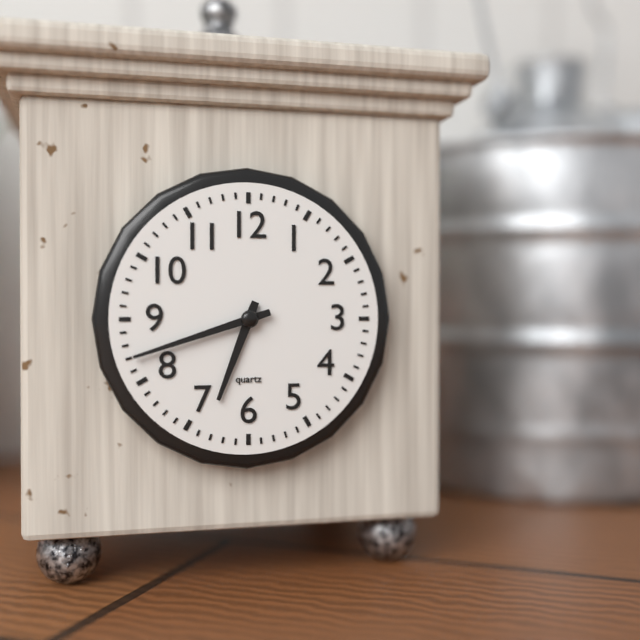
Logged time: 6,42
